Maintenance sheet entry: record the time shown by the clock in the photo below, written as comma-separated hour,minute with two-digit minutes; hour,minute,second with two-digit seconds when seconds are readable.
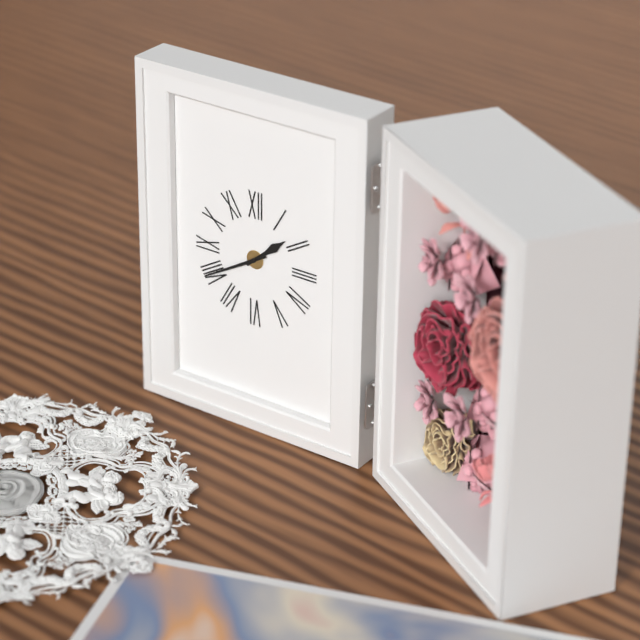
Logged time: 1,40
